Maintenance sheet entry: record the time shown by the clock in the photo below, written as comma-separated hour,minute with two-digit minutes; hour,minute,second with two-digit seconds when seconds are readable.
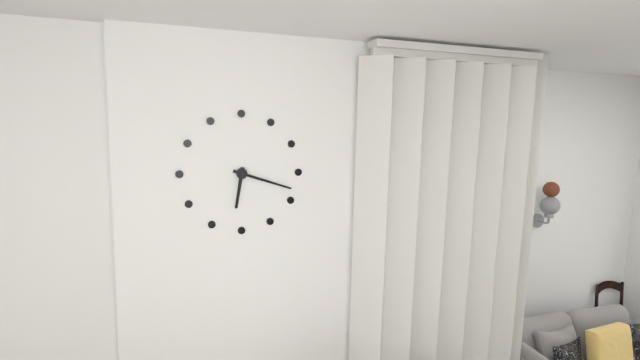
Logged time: 6,18
